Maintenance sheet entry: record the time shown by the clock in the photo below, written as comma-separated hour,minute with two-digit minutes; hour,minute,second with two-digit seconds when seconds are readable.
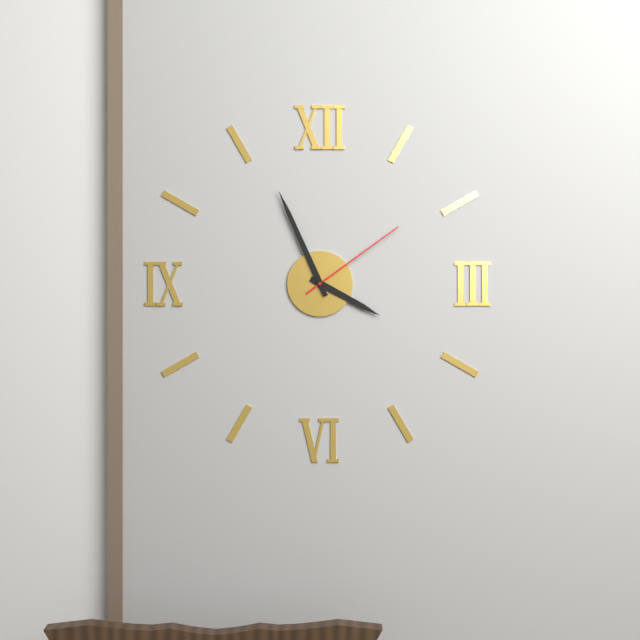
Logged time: 3,56,09
